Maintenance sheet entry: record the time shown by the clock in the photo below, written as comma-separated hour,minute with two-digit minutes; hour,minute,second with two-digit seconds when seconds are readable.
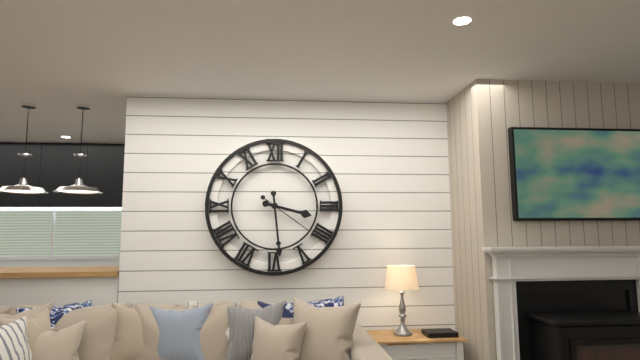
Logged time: 3,29,21
